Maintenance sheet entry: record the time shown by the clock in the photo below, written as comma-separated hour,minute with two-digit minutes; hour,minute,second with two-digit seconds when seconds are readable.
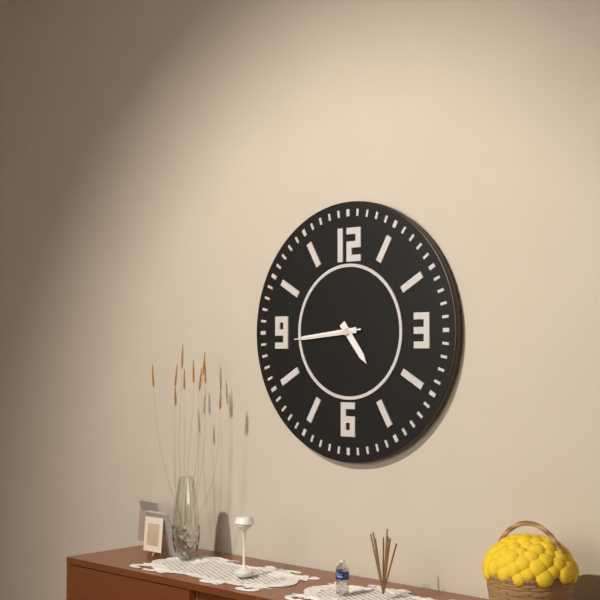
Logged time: 4,44,44
